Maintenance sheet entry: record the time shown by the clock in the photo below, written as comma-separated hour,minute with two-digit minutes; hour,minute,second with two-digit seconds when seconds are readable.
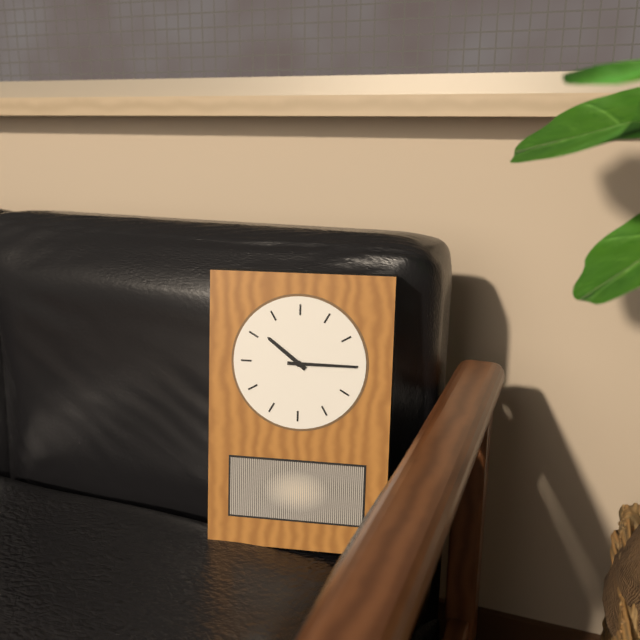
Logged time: 10,15
